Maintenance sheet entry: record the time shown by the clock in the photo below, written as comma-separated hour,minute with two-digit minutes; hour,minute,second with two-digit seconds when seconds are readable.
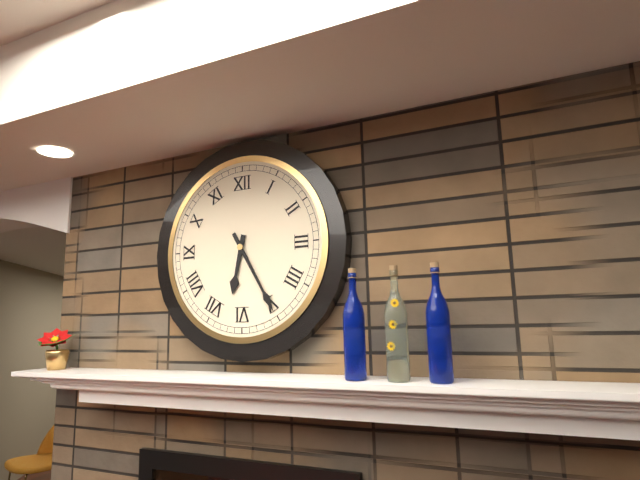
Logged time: 6,25
